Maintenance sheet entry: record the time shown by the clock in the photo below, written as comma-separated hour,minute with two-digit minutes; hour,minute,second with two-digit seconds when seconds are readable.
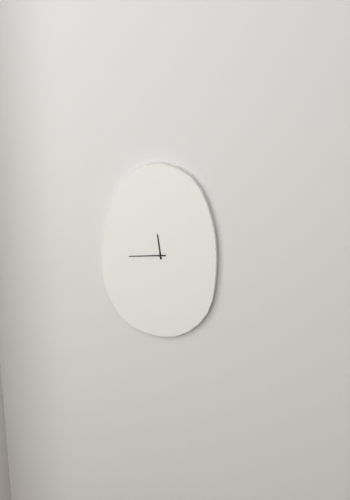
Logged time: 11,44
